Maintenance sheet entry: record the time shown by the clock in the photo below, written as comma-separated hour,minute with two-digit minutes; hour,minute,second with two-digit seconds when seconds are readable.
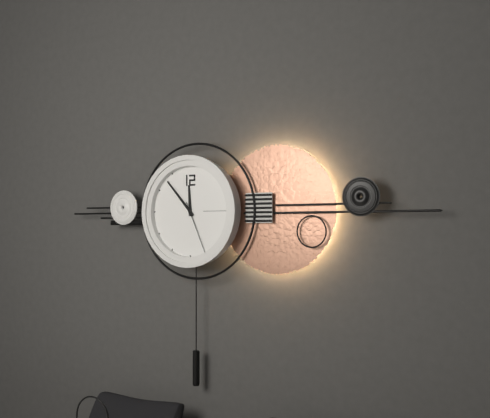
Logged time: 11,53,26
